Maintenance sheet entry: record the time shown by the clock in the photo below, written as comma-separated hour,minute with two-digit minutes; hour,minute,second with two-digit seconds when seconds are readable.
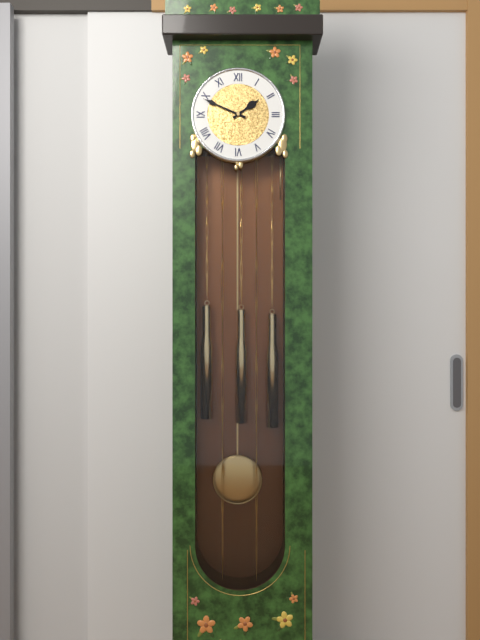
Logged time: 1,49
